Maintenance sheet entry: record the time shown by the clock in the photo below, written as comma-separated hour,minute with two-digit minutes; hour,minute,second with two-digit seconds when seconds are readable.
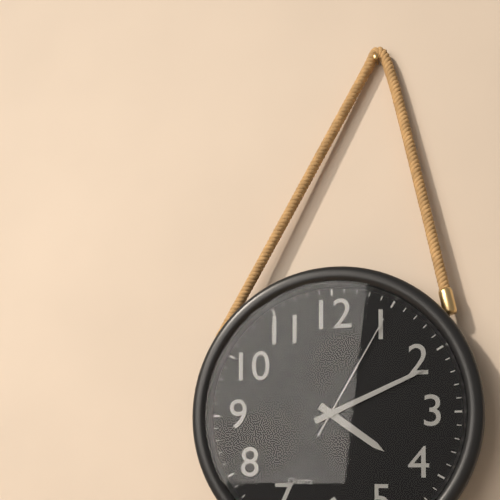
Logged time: 4,11,05
